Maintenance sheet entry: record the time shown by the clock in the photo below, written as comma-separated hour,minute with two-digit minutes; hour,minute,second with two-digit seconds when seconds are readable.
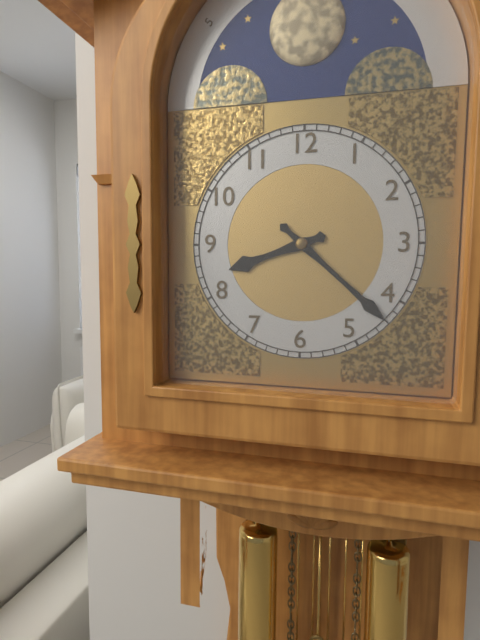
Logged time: 8,22
